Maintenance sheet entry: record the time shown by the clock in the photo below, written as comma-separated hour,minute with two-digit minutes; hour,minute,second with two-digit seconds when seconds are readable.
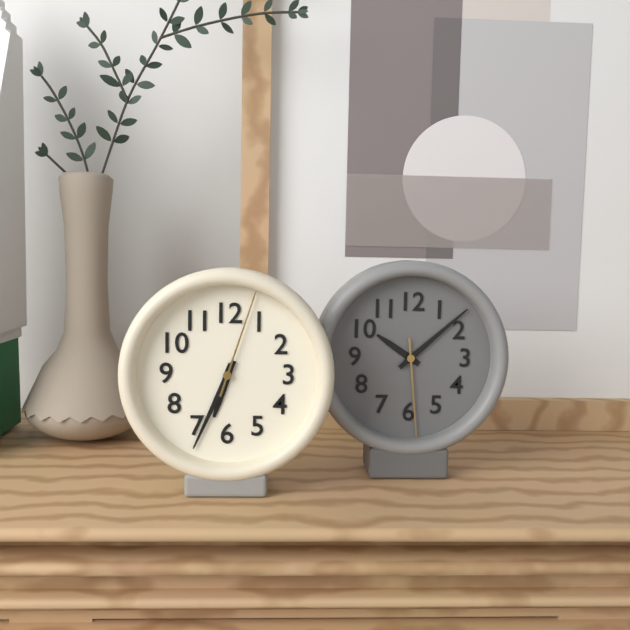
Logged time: 6,34,03
